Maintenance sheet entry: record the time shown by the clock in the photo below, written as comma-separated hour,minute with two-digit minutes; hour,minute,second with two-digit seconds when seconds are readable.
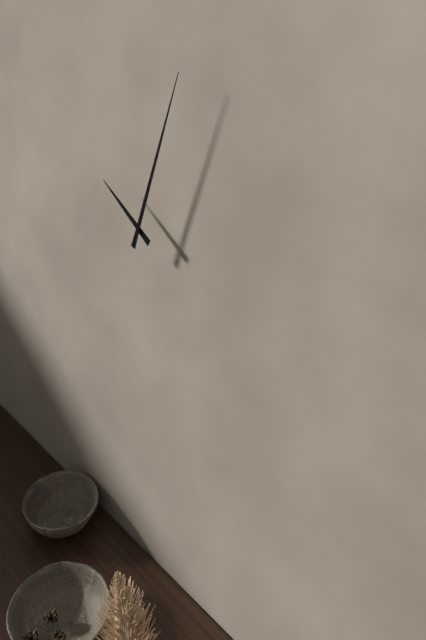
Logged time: 10,03
